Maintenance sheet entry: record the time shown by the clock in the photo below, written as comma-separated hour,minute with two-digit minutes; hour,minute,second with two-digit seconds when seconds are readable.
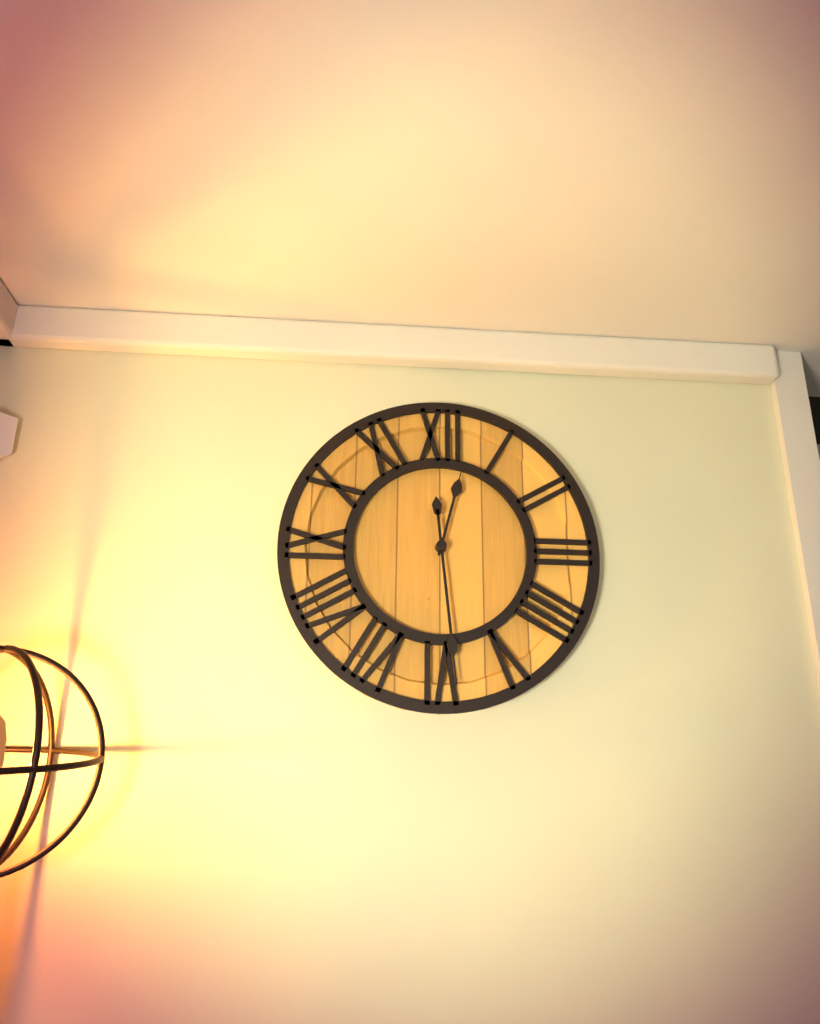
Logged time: 12,29
